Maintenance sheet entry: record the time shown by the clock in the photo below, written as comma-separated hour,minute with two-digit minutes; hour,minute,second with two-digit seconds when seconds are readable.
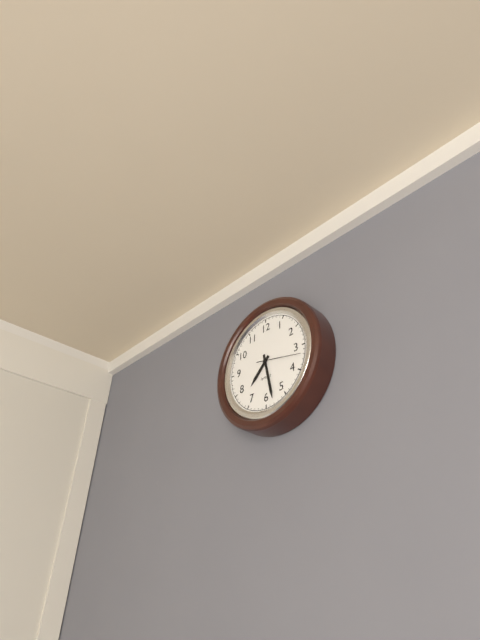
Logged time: 7,28
